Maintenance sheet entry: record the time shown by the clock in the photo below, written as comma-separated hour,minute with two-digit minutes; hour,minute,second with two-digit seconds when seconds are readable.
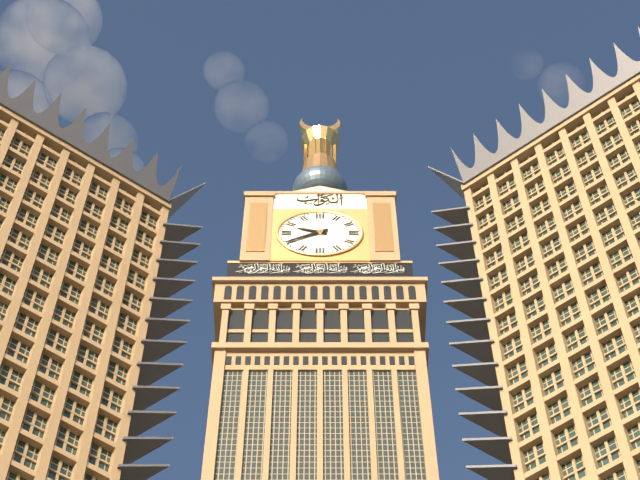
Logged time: 9,40
